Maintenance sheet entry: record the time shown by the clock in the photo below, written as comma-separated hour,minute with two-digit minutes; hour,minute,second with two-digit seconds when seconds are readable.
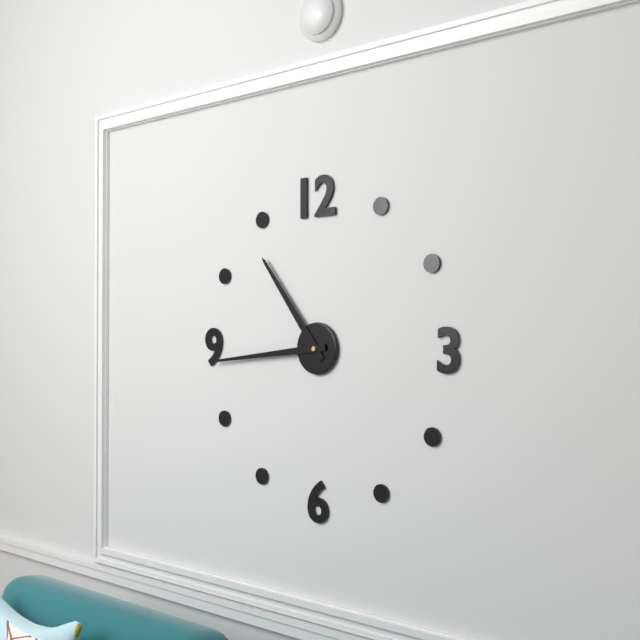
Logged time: 10,44
